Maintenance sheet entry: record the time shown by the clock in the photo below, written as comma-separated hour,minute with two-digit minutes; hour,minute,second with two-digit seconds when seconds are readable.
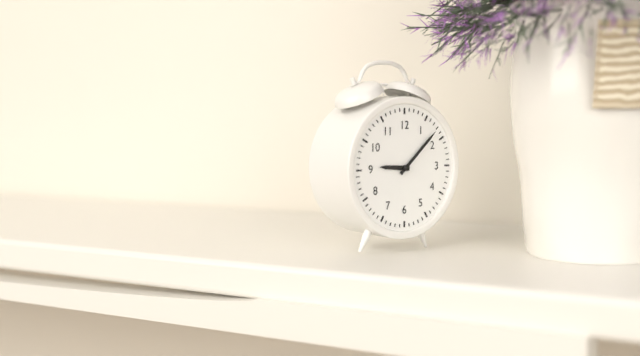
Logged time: 9,08
